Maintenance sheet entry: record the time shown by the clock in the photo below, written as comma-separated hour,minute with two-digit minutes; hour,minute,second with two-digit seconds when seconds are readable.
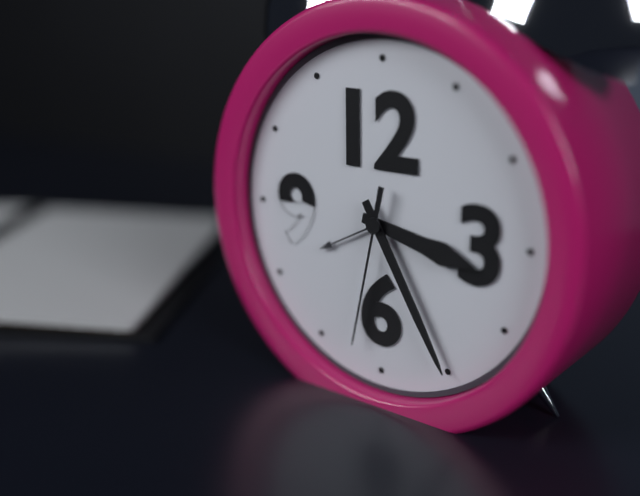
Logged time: 3,25,32
